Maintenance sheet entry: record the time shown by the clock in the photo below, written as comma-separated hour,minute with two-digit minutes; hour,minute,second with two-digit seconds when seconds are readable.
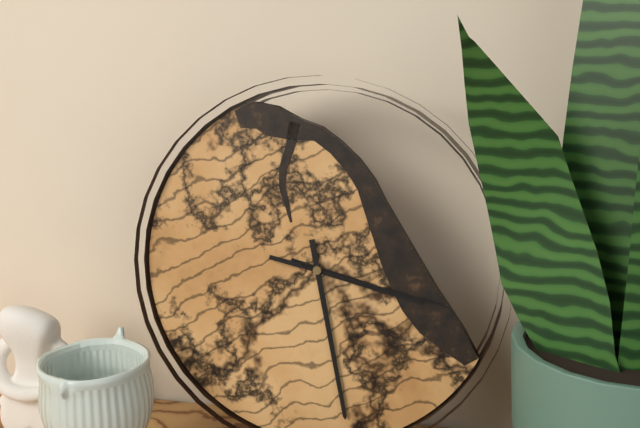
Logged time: 3,28,17
